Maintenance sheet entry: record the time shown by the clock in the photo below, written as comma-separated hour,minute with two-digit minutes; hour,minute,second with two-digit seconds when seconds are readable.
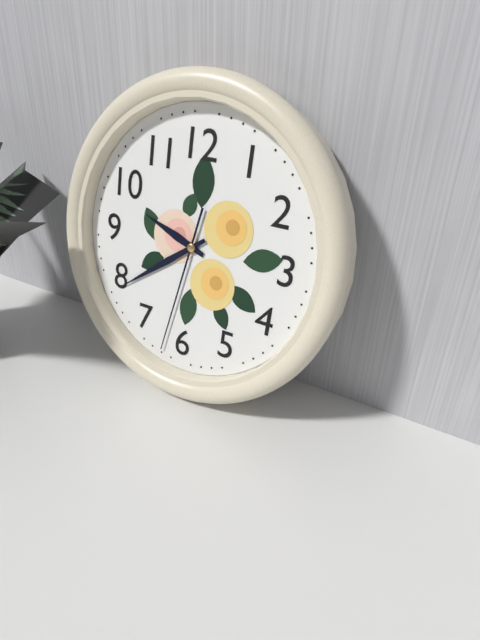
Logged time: 9,39,32
